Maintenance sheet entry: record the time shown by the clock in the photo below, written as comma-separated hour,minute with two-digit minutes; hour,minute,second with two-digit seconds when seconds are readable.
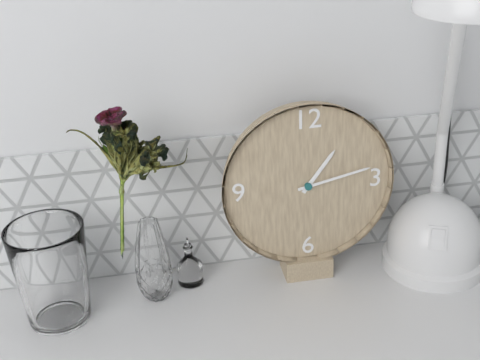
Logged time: 1,13
